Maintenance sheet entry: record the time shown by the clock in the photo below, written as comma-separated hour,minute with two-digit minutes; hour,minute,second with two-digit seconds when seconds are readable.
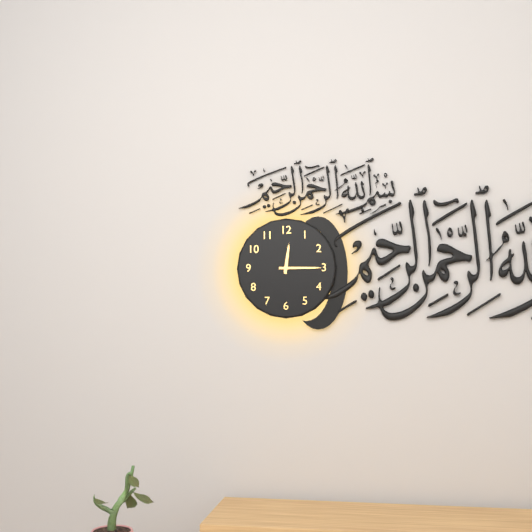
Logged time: 12,15
